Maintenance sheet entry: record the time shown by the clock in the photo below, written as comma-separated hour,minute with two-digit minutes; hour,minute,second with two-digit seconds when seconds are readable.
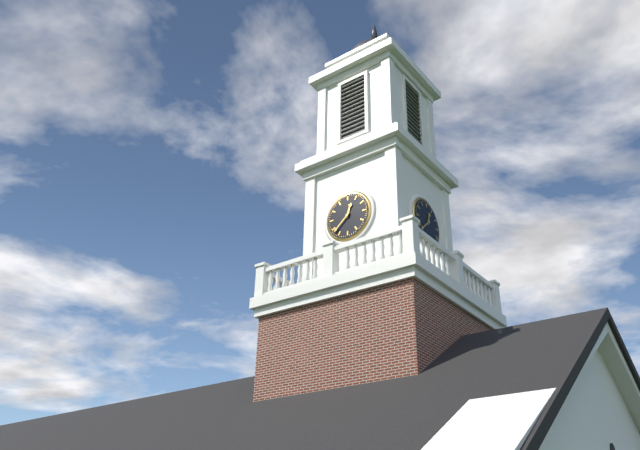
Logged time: 12,38
